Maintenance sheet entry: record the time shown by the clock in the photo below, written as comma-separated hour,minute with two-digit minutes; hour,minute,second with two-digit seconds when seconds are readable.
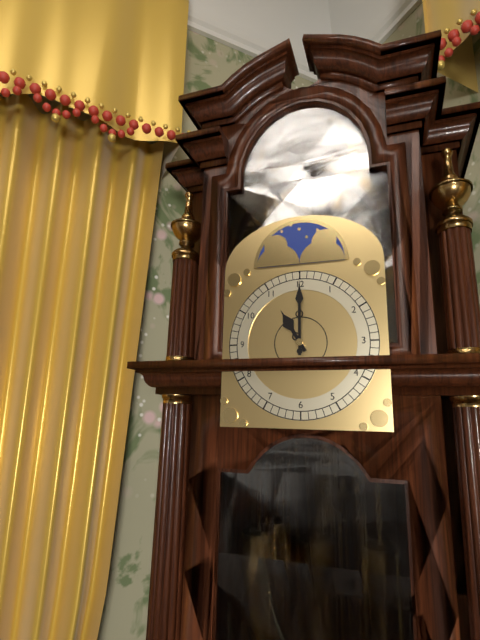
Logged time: 11,00
